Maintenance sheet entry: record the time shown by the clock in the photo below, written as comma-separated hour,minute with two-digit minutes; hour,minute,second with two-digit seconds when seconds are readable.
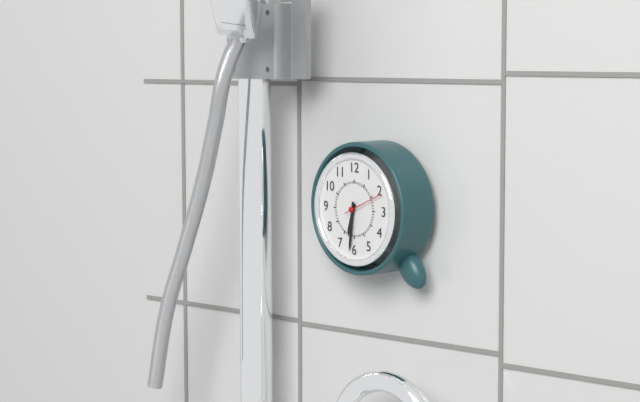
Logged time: 6,31
